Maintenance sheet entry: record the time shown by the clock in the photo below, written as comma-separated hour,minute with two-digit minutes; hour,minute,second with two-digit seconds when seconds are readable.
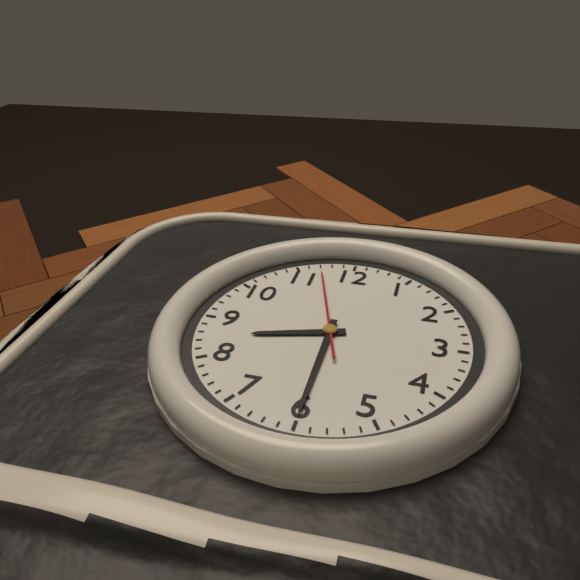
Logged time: 8,30,57
